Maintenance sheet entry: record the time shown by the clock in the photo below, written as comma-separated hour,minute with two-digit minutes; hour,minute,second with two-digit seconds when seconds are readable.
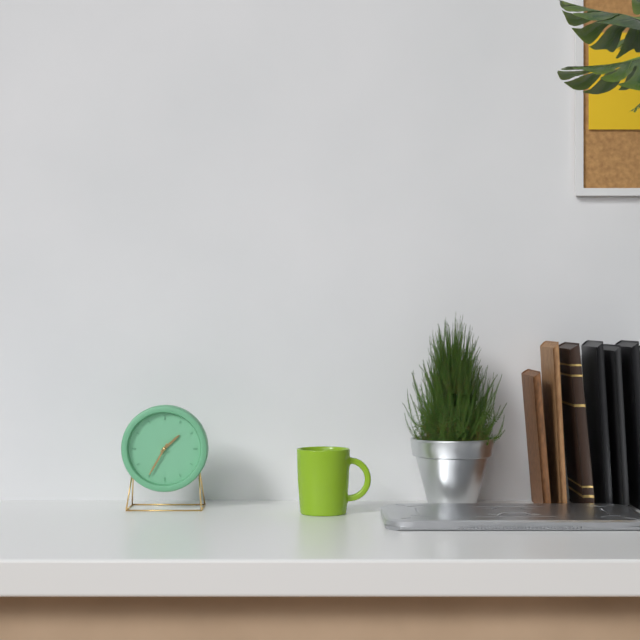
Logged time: 1,35
